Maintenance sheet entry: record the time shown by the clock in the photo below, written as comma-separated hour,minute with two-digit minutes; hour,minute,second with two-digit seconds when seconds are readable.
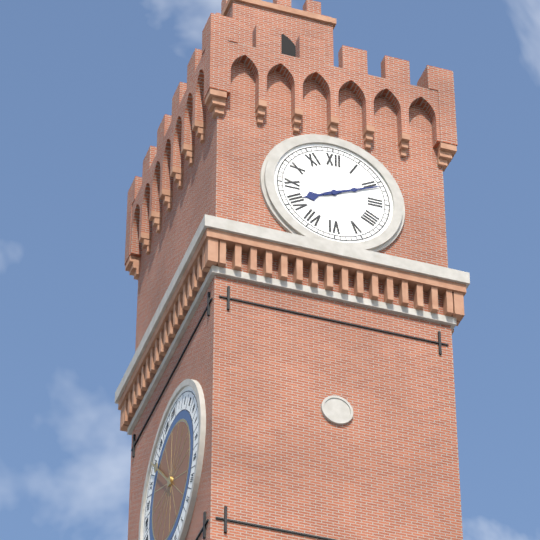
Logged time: 8,11
